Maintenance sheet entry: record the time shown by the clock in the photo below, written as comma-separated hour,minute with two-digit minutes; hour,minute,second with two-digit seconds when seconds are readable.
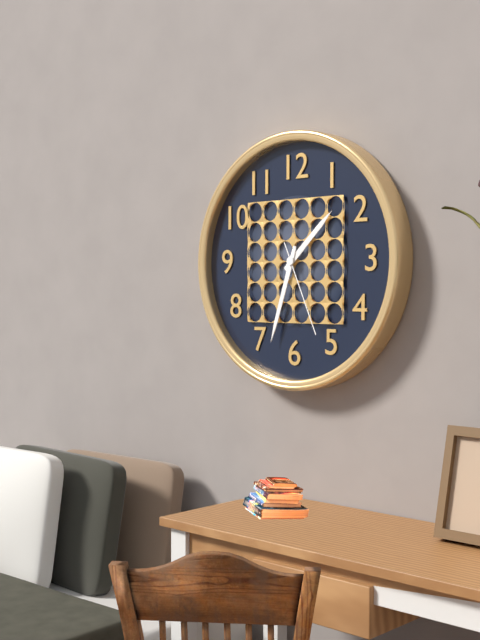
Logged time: 1,33,26
